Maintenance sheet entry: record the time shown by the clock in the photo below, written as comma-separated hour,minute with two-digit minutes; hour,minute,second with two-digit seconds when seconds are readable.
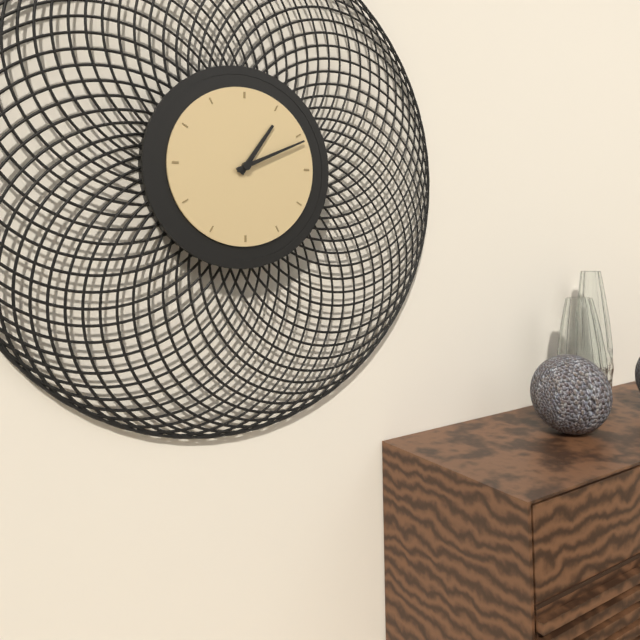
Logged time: 1,11
